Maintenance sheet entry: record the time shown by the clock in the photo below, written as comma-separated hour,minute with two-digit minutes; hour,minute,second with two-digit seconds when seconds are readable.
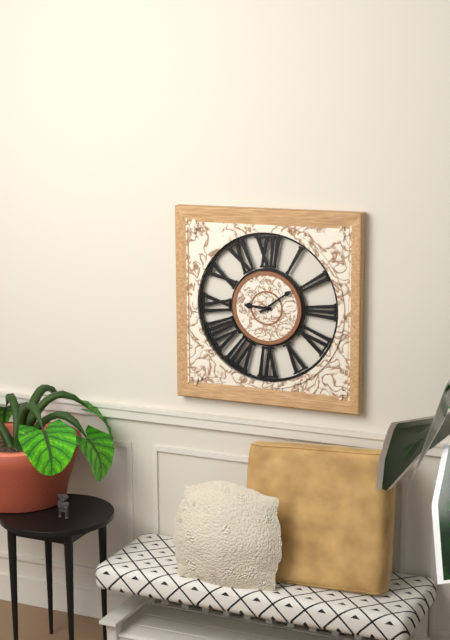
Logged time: 9,09
